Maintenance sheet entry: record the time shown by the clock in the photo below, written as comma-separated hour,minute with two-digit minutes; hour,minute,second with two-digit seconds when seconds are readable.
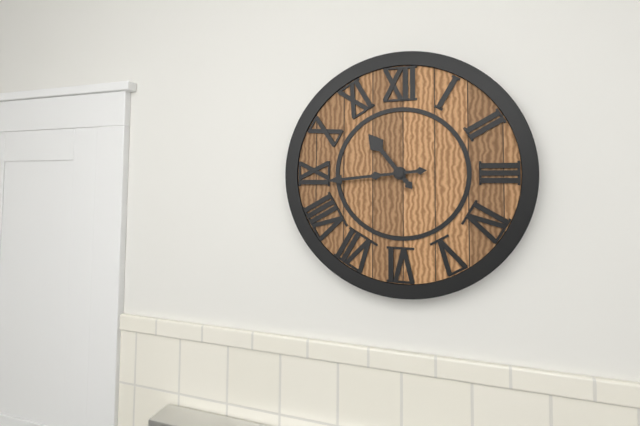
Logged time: 10,44
